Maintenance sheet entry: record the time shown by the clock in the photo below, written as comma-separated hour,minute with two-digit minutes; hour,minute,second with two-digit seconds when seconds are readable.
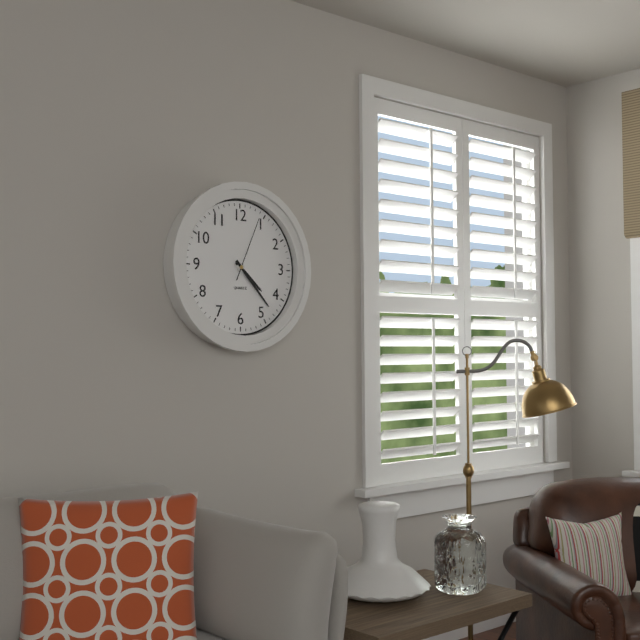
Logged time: 4,23,04
